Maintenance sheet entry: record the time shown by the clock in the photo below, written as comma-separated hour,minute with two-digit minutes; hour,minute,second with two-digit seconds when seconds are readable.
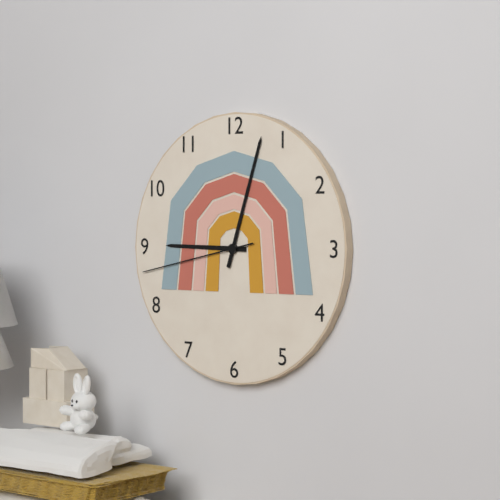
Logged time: 9,03,43
